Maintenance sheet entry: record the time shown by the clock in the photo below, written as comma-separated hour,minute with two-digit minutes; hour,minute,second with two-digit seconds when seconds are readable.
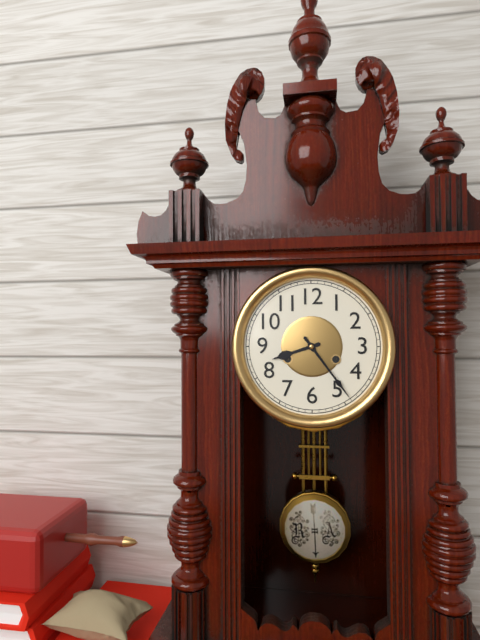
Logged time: 8,24
